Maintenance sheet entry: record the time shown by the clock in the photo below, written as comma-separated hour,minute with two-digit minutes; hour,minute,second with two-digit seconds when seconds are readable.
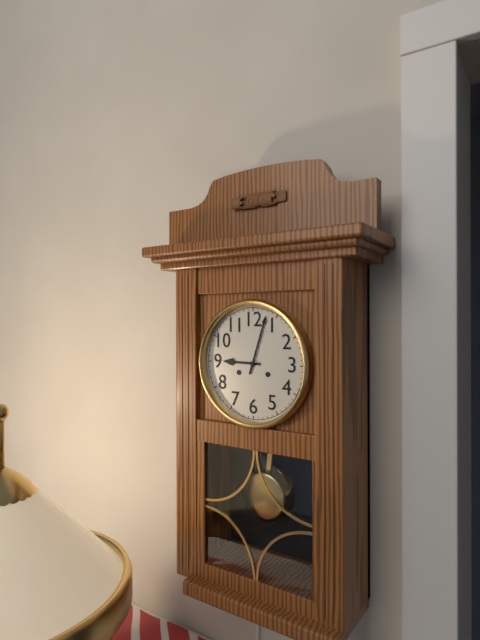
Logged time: 9,03
